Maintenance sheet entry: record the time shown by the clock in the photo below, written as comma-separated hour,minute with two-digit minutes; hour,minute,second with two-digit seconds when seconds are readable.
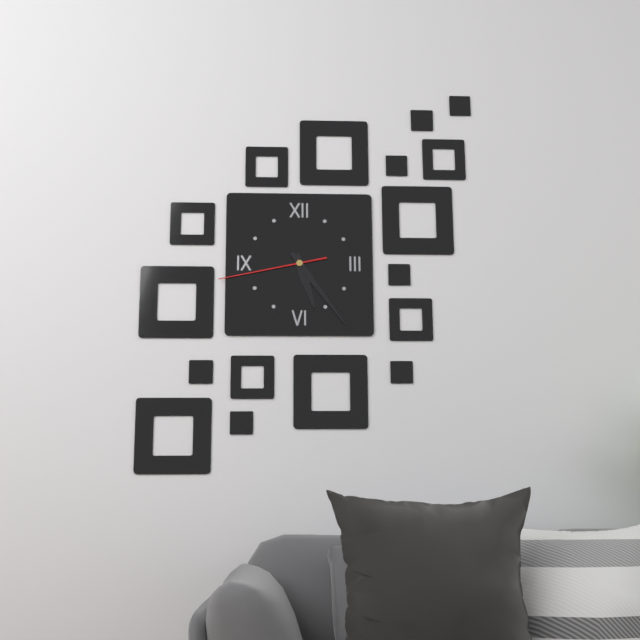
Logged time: 5,24,43
